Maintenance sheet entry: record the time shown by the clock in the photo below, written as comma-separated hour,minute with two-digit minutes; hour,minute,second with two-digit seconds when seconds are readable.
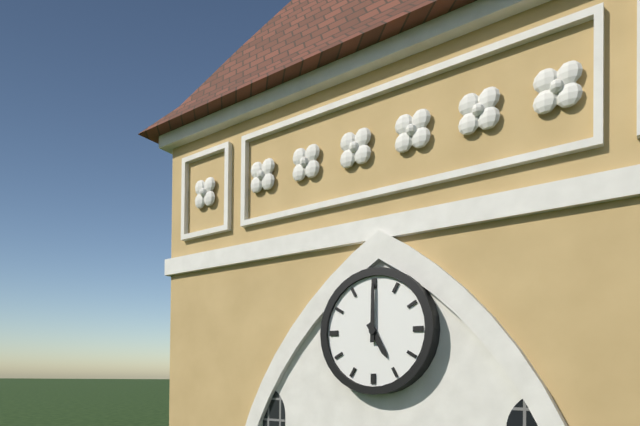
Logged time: 5,00
